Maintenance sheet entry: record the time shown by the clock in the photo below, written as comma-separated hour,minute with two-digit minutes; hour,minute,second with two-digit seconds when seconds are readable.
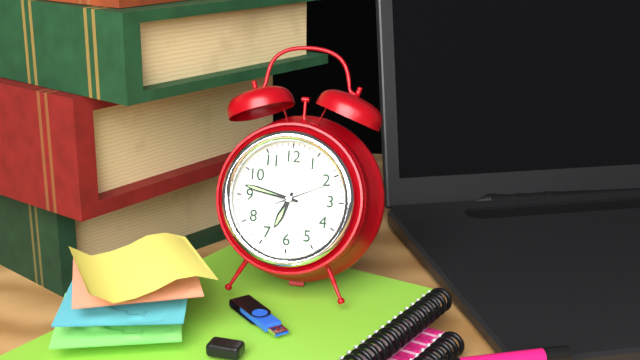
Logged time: 6,47,11
